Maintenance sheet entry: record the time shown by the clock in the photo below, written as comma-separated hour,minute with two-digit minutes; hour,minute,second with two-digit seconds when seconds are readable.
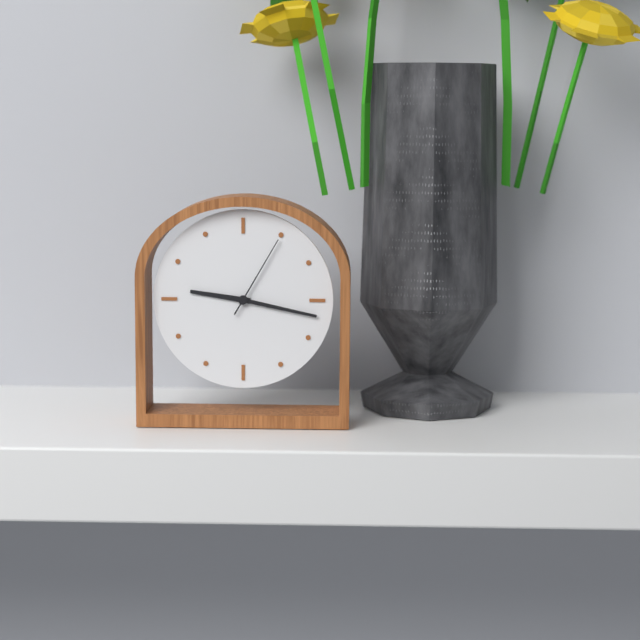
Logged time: 9,17,05
